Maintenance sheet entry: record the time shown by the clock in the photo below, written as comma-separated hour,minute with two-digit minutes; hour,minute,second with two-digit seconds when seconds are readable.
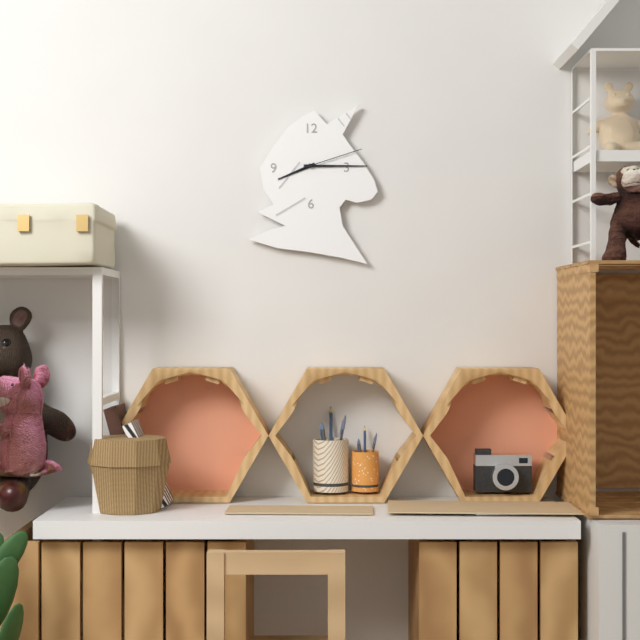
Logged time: 8,15,12
